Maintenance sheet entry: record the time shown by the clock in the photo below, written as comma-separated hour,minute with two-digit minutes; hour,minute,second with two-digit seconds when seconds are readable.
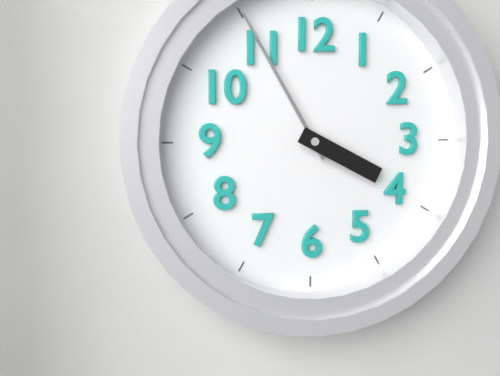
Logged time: 3,55
